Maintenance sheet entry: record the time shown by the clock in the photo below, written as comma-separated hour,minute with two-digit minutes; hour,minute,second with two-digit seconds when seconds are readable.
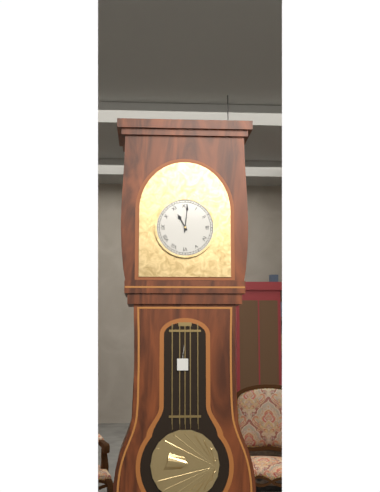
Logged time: 11,01
